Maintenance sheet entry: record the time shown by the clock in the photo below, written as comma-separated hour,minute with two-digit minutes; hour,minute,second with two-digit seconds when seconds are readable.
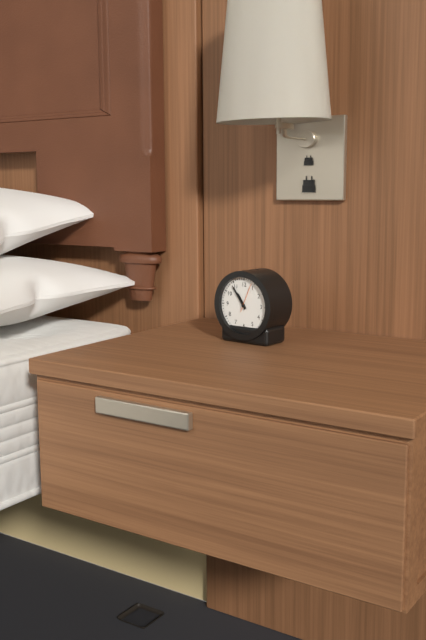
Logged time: 10,54
